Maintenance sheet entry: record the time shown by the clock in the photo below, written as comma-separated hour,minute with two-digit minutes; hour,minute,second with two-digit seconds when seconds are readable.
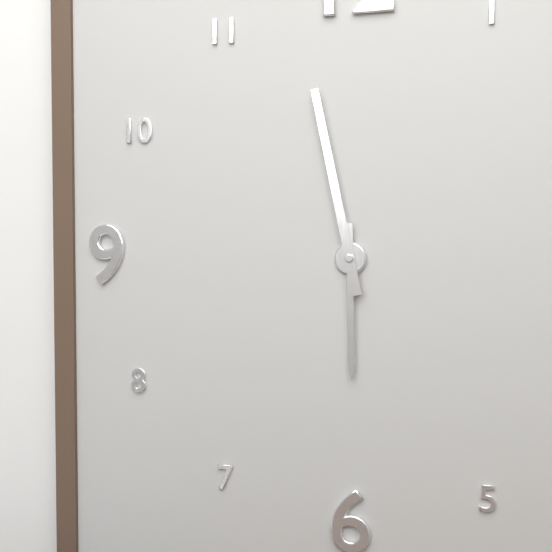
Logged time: 5,58
